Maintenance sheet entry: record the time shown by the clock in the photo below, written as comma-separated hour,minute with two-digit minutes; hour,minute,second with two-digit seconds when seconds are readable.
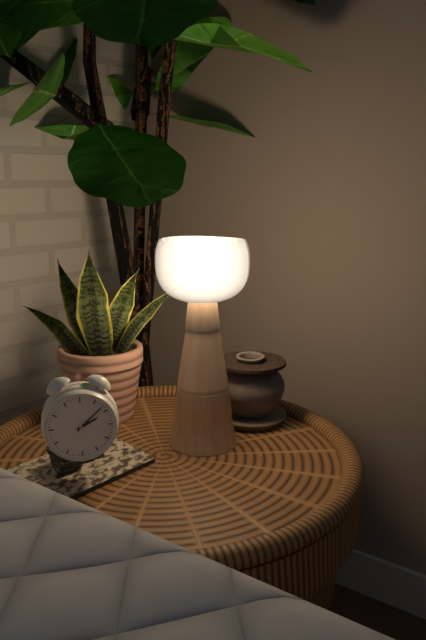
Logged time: 2,08
